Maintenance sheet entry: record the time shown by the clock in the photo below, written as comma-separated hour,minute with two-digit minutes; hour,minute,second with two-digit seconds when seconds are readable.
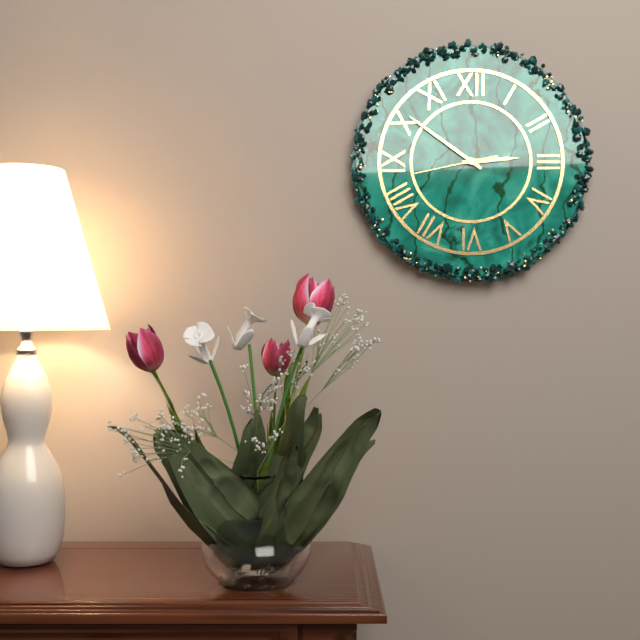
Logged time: 2,51,43
